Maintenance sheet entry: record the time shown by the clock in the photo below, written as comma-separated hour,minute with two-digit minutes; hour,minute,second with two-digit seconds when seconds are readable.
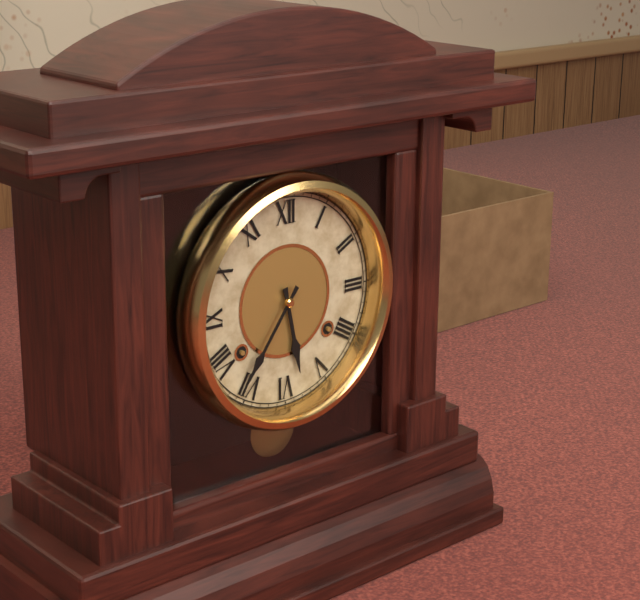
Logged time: 5,36
